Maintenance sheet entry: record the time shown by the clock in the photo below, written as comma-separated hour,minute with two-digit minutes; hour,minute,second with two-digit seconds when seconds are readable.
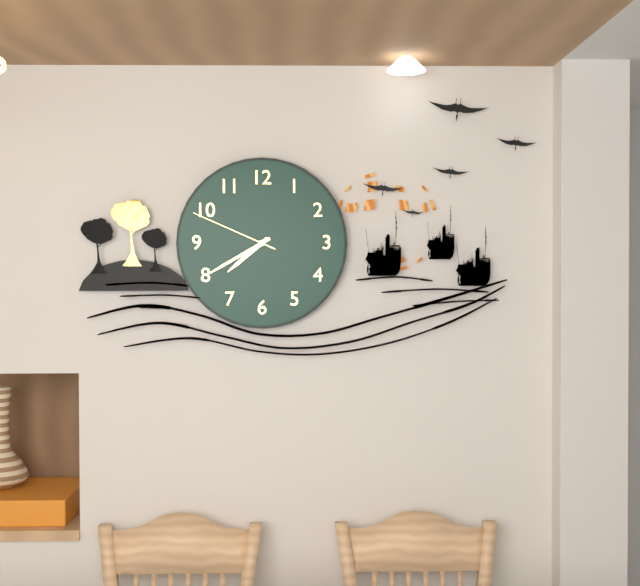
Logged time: 7,40,49
